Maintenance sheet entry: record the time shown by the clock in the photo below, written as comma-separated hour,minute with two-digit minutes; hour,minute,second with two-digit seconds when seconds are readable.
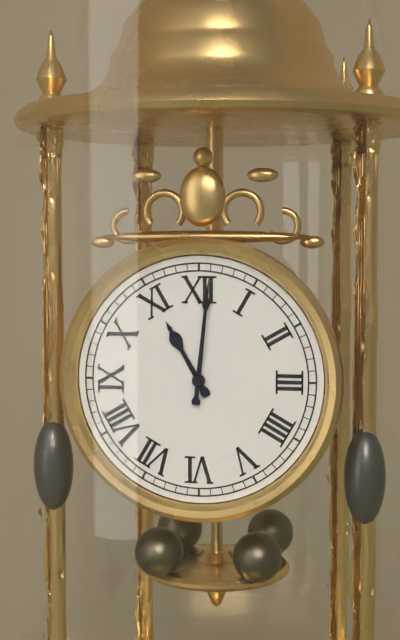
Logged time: 11,01
